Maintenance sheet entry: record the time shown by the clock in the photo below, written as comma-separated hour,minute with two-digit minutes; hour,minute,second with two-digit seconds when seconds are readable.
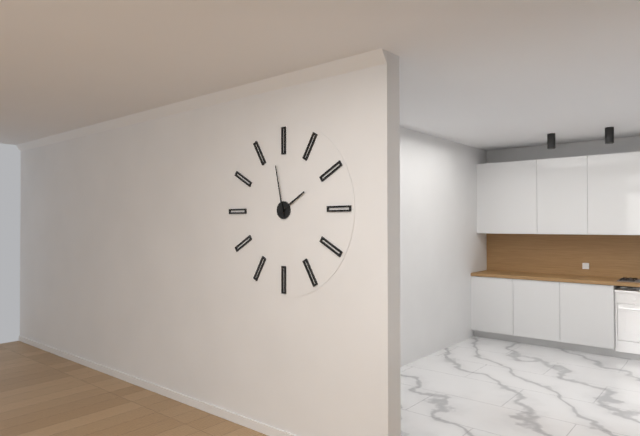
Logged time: 1,58
